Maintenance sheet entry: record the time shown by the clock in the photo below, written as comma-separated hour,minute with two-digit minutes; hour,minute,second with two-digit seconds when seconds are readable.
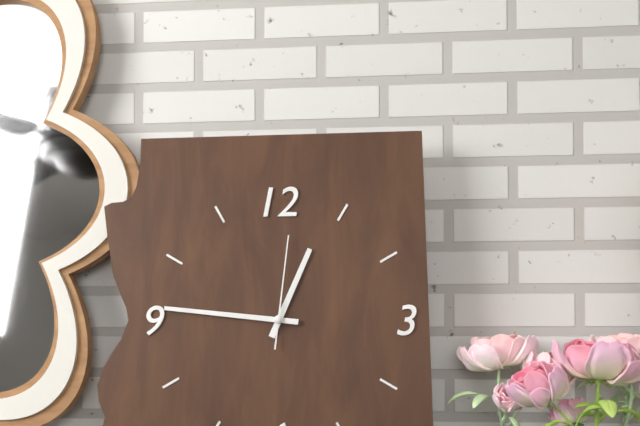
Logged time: 12,46,01
